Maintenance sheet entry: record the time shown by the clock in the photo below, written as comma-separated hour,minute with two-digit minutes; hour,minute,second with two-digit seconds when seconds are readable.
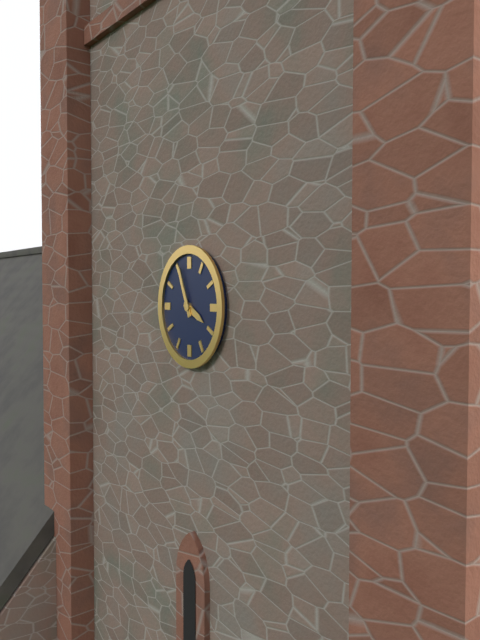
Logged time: 3,56
